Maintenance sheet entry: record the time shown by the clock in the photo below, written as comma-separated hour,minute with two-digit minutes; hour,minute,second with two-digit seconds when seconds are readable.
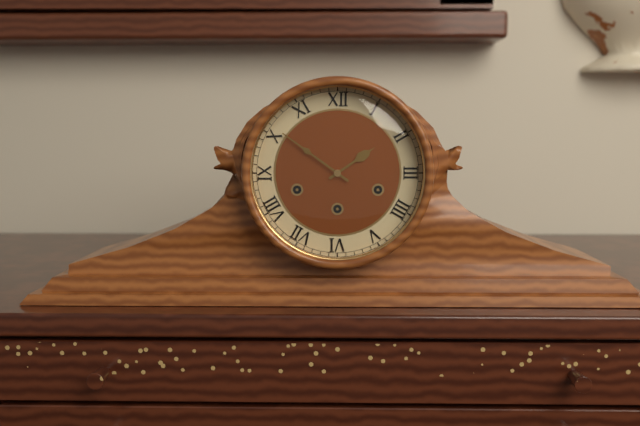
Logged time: 1,51
